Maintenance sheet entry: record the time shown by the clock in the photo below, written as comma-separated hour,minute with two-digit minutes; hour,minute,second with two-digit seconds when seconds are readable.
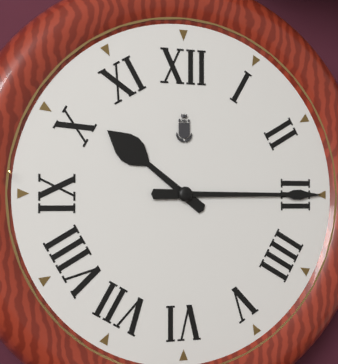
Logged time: 10,15
